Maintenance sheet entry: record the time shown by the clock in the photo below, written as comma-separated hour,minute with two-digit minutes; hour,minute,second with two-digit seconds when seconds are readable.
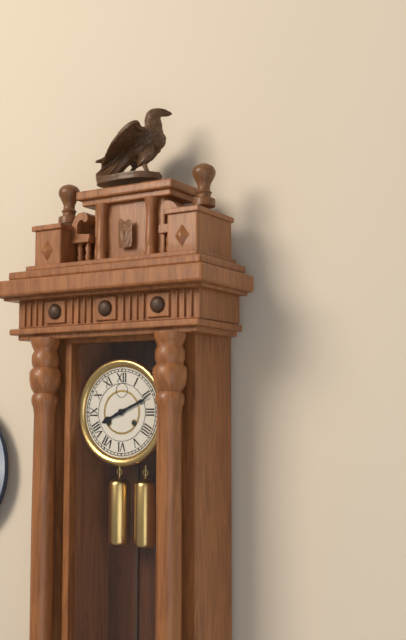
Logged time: 8,11
